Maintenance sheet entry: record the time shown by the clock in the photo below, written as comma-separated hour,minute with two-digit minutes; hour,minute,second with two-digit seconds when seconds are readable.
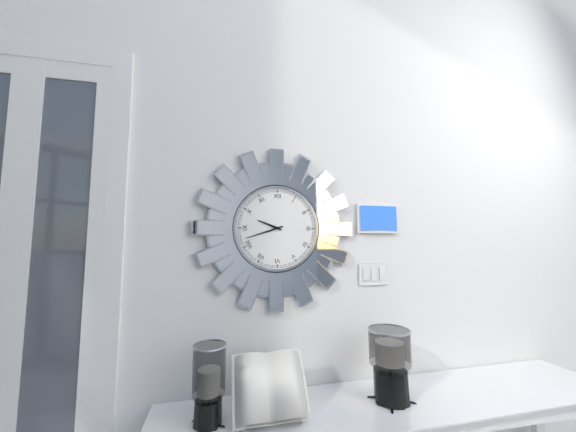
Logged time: 9,42
